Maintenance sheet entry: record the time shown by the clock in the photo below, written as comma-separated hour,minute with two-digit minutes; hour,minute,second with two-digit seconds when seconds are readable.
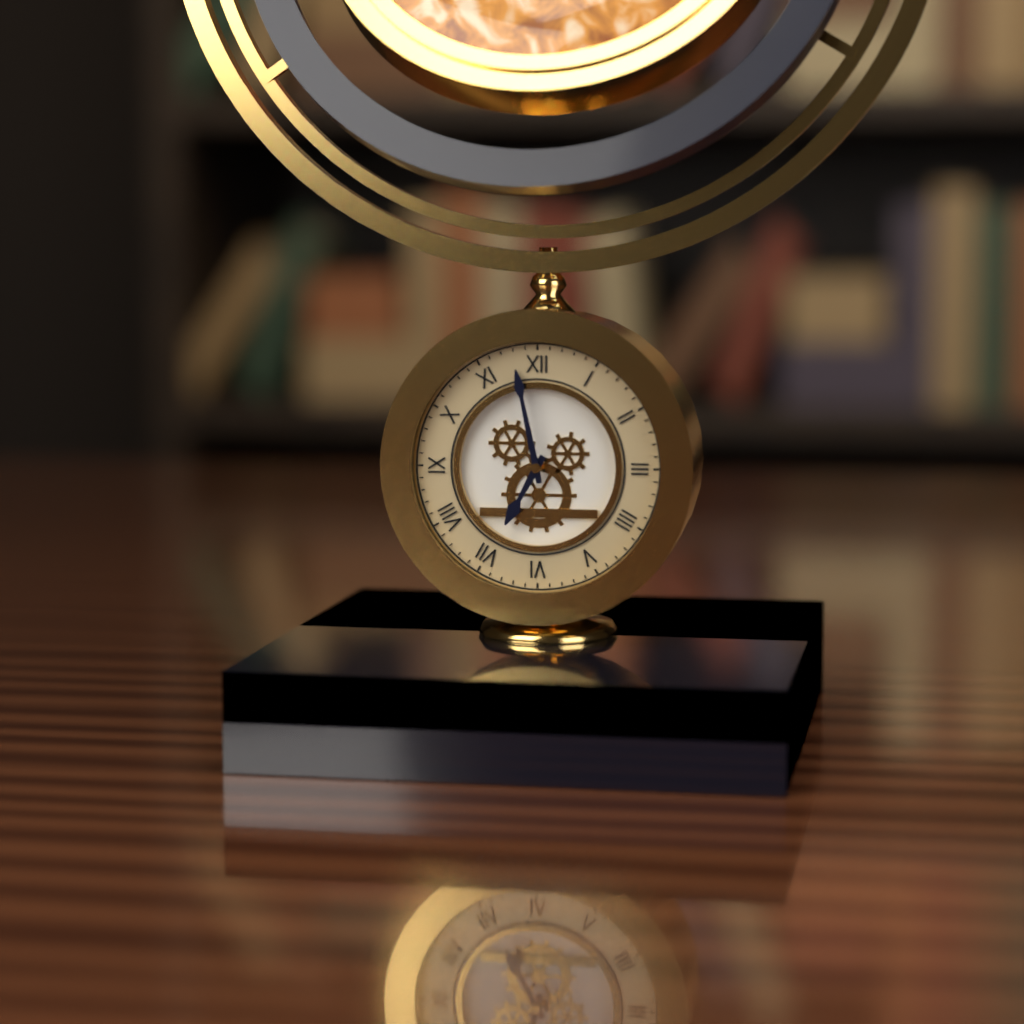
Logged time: 6,58
